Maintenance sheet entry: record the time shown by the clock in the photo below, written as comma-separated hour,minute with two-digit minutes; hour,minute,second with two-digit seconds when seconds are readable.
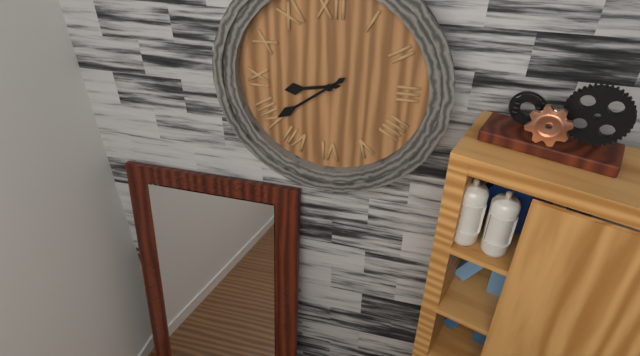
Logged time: 8,39
